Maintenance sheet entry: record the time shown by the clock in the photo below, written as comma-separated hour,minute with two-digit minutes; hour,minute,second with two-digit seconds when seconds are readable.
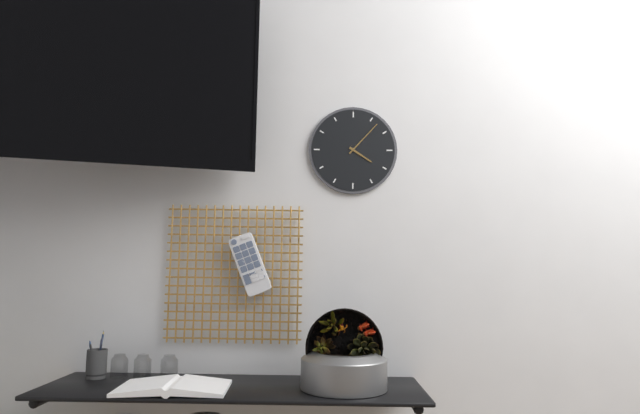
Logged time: 4,07
